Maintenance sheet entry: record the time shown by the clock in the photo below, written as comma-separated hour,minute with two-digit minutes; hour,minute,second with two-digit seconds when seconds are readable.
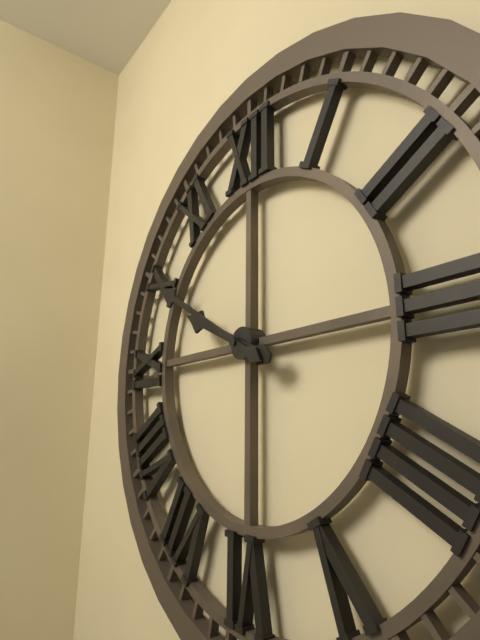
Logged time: 9,50
